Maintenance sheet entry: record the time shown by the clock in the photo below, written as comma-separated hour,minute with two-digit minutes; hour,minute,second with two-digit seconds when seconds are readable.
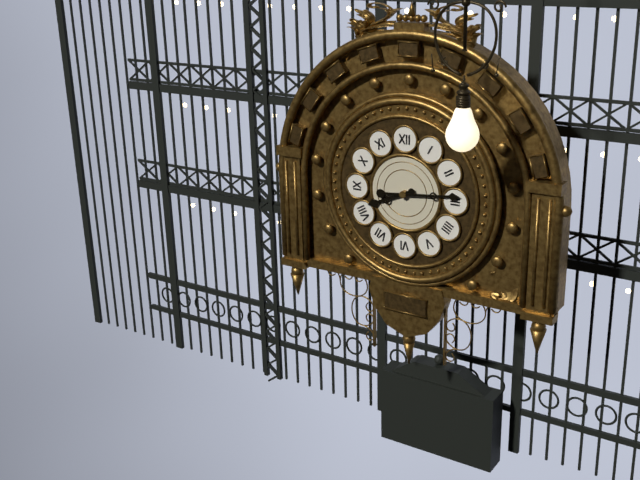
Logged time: 8,14
